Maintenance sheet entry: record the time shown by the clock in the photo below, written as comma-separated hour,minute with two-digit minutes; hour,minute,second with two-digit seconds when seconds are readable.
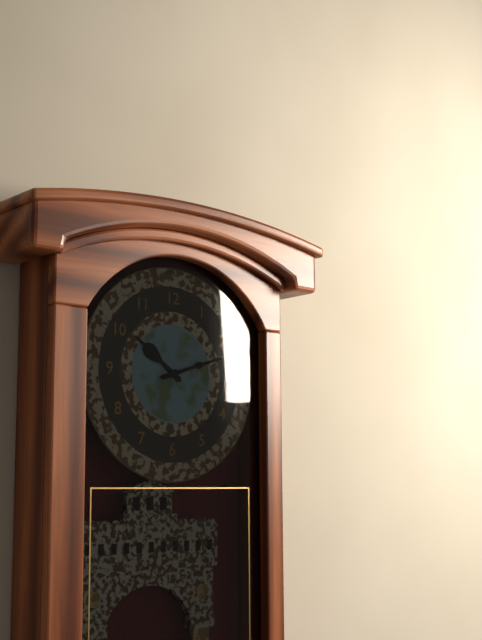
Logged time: 10,12
